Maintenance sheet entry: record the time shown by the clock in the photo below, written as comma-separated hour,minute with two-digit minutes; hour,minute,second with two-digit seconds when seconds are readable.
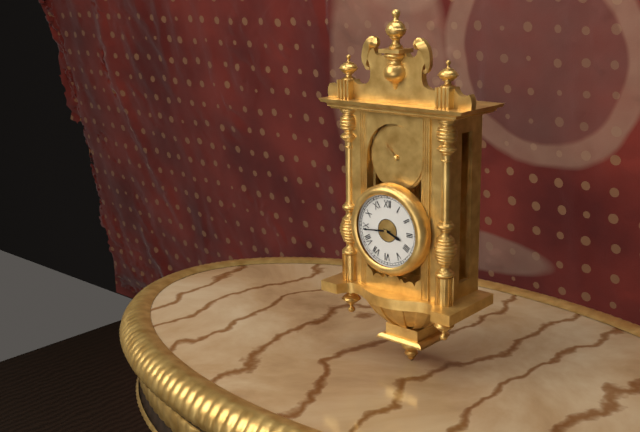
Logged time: 3,44
